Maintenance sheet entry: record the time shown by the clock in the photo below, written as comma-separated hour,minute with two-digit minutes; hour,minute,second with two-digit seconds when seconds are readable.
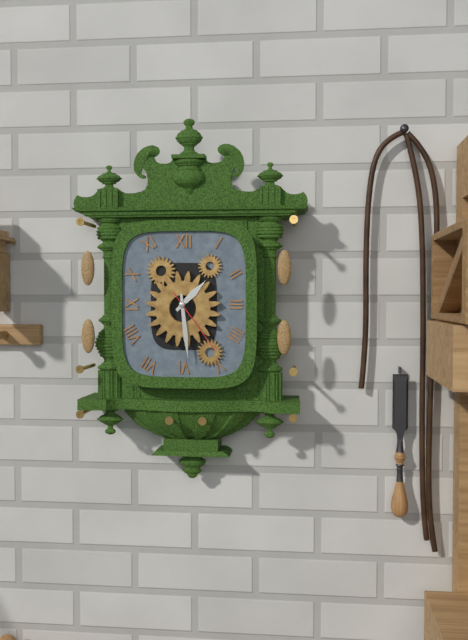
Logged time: 1,29,24
